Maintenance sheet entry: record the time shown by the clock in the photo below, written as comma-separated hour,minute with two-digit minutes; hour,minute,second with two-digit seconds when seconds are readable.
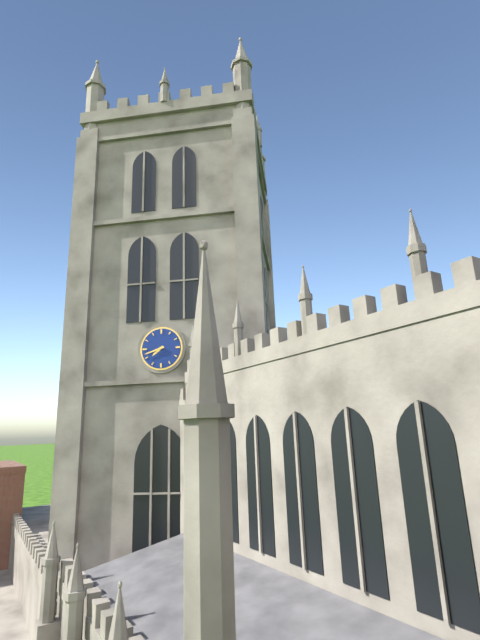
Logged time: 7,42
